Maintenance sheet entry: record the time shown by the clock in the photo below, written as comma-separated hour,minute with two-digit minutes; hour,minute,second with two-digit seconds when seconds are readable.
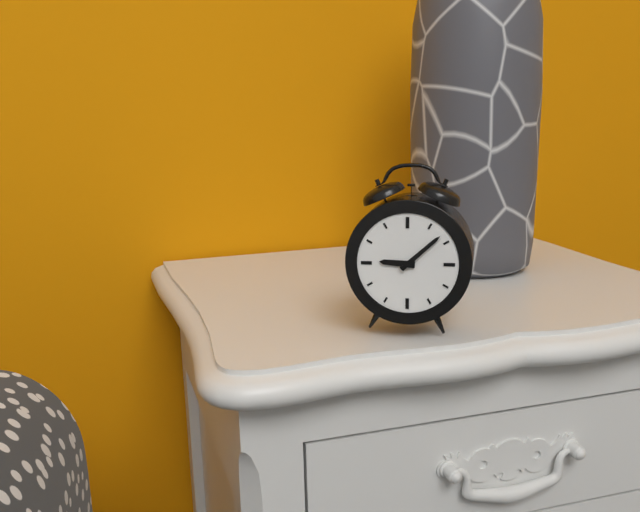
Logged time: 9,08
